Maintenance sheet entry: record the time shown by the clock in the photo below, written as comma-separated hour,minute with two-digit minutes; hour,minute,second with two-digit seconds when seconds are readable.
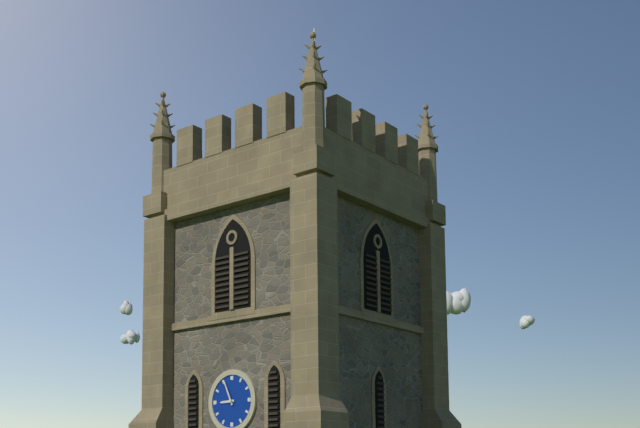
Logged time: 8,56
